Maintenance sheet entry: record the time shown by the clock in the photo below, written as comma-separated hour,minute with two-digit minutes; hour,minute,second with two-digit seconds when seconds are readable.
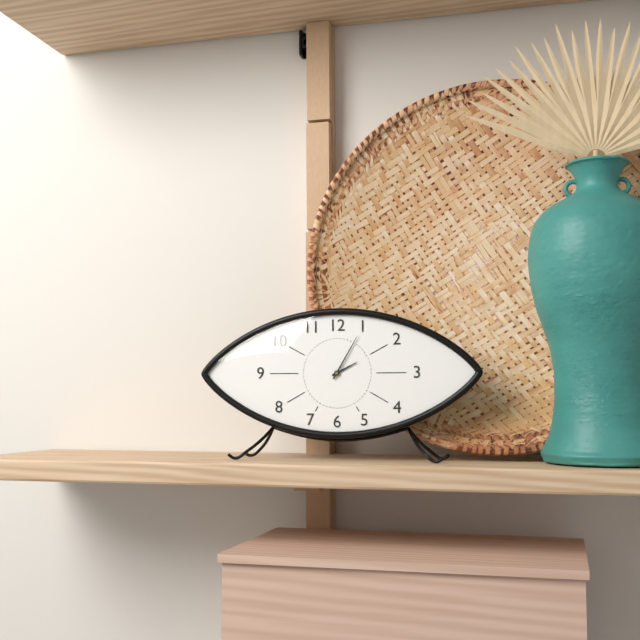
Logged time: 2,05
